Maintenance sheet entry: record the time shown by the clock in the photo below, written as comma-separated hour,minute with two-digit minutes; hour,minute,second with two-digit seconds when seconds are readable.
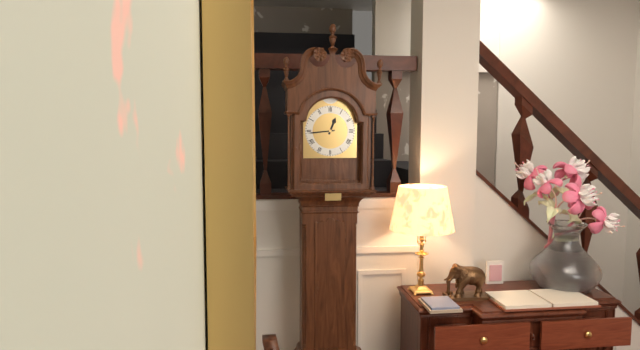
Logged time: 12,44
